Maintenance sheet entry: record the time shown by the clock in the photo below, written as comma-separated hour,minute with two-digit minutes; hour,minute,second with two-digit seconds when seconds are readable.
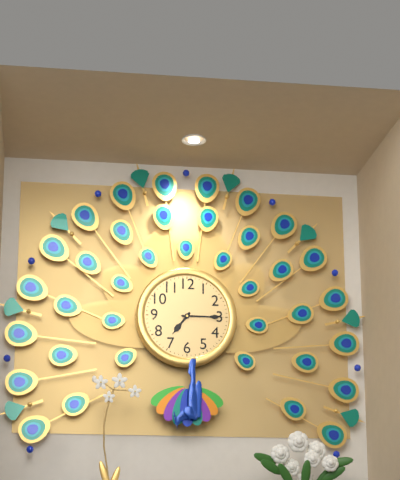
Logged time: 7,15
